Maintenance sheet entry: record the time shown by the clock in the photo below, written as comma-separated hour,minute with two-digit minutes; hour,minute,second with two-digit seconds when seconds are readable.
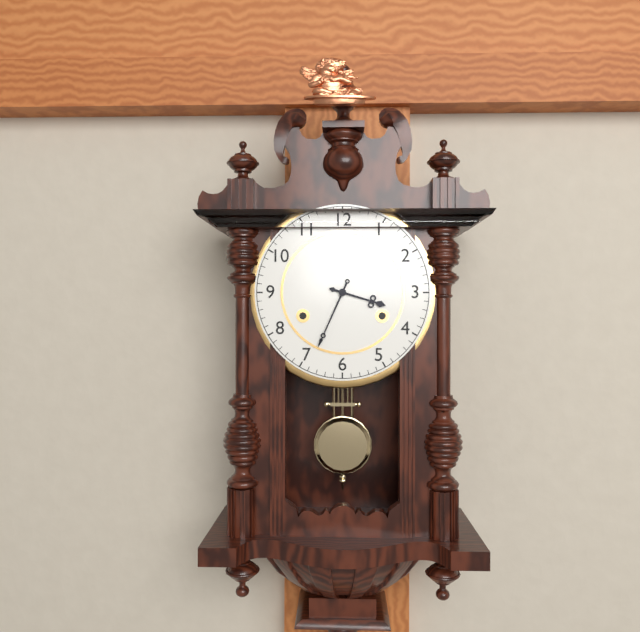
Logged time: 3,34
